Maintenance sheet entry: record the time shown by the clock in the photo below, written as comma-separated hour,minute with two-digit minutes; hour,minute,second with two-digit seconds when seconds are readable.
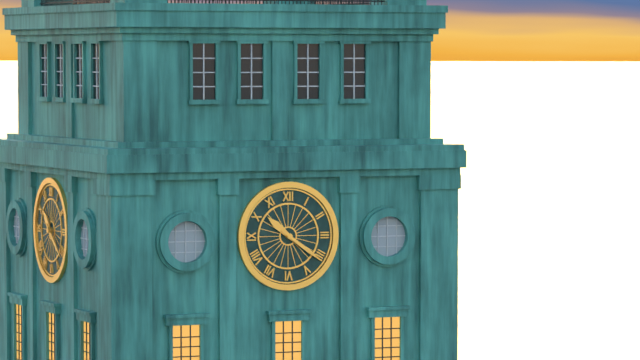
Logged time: 10,21
